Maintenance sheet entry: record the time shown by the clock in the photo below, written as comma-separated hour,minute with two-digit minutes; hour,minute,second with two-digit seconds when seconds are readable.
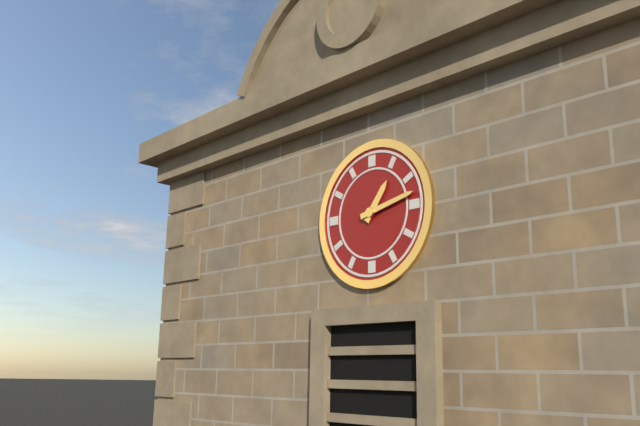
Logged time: 1,13
